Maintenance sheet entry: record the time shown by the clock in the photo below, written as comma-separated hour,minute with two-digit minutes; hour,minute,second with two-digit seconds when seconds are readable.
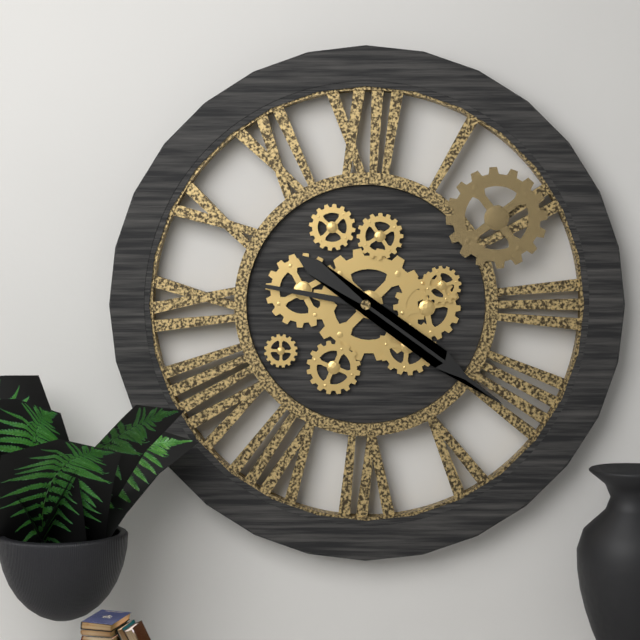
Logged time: 9,21
